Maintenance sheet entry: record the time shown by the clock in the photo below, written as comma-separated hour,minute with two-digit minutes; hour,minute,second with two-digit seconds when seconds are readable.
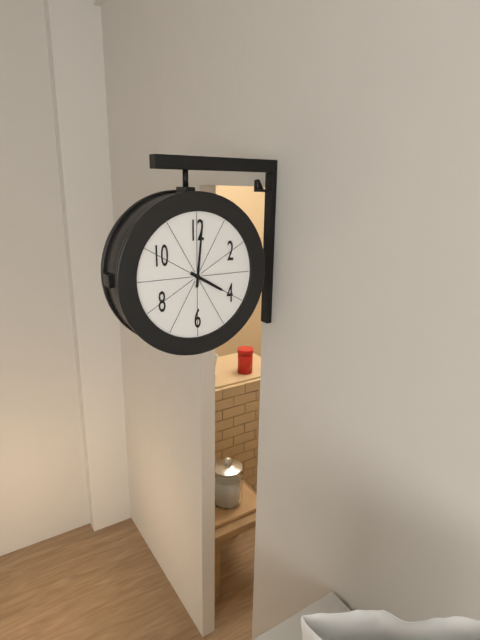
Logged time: 4,01
